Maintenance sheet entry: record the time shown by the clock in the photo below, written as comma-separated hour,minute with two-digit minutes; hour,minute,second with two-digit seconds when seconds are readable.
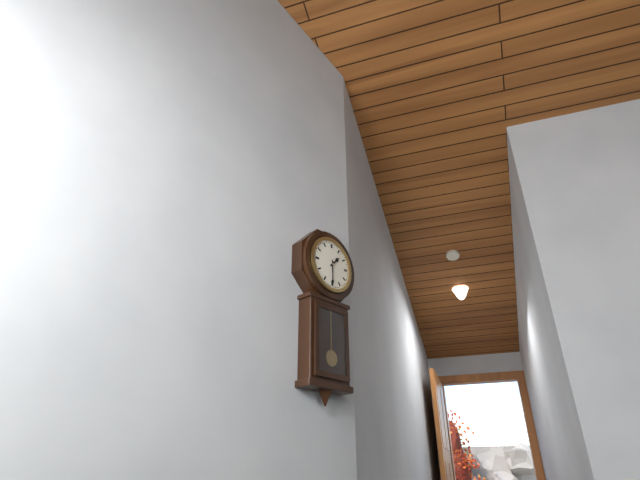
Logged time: 1,30
